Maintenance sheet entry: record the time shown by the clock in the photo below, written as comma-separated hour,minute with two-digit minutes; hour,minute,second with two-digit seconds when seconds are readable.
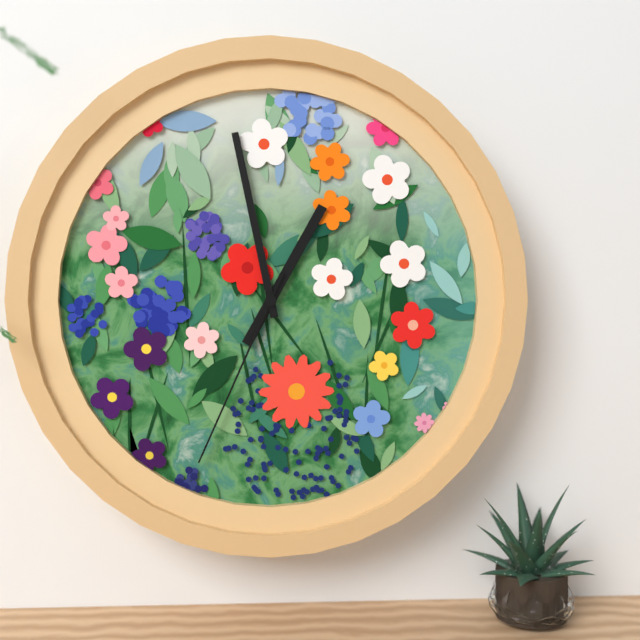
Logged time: 12,58,34
